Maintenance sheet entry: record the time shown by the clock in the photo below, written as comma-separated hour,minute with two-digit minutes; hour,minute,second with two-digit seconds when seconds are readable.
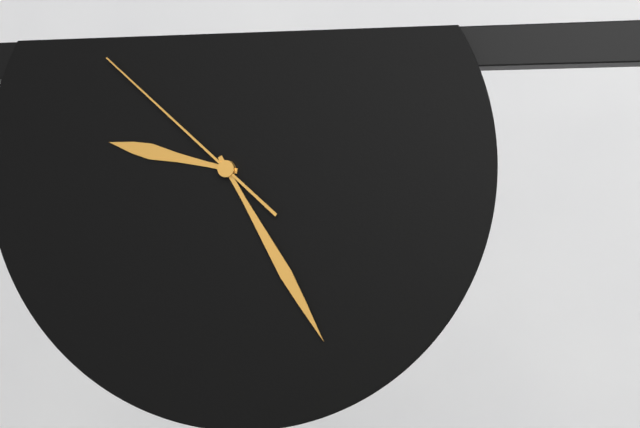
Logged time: 9,25,52
